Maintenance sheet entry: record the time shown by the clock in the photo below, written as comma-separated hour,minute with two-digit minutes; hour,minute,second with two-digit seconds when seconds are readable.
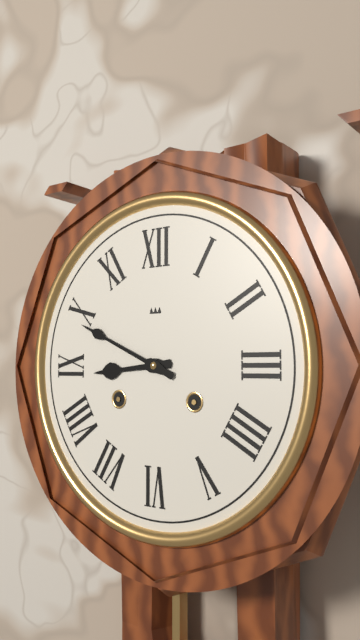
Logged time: 8,49
